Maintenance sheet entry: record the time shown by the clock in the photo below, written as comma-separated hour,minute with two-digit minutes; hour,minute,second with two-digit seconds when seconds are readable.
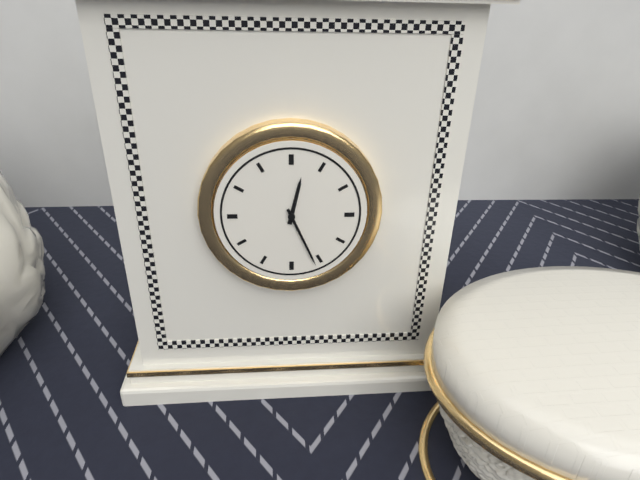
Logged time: 12,26
